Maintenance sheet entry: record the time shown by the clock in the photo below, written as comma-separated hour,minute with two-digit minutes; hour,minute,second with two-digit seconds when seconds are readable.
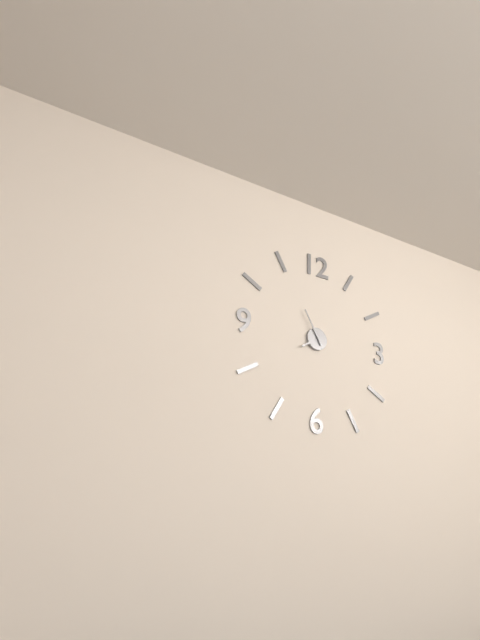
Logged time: 7,55
